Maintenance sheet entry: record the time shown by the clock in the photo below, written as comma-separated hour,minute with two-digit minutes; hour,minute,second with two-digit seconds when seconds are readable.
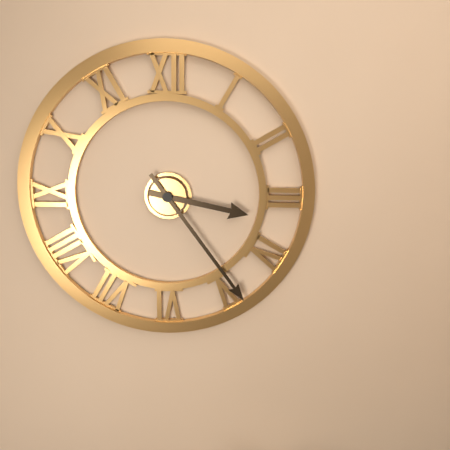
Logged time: 3,24
